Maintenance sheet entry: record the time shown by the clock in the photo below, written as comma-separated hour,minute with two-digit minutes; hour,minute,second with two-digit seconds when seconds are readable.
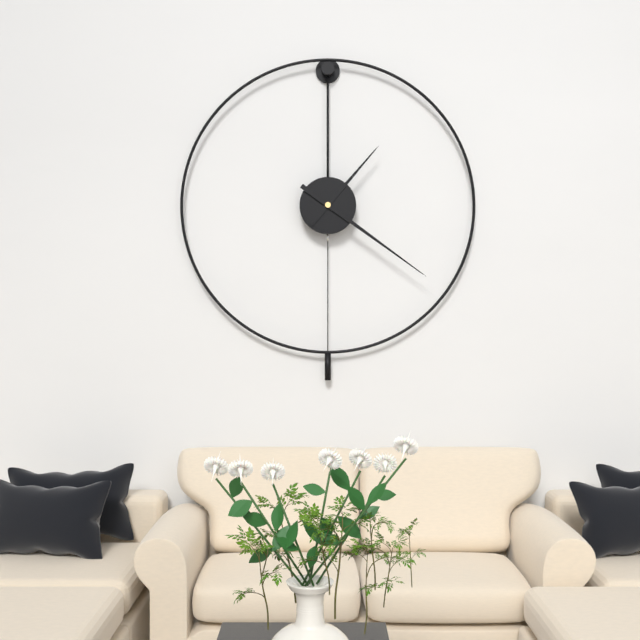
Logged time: 1,21
